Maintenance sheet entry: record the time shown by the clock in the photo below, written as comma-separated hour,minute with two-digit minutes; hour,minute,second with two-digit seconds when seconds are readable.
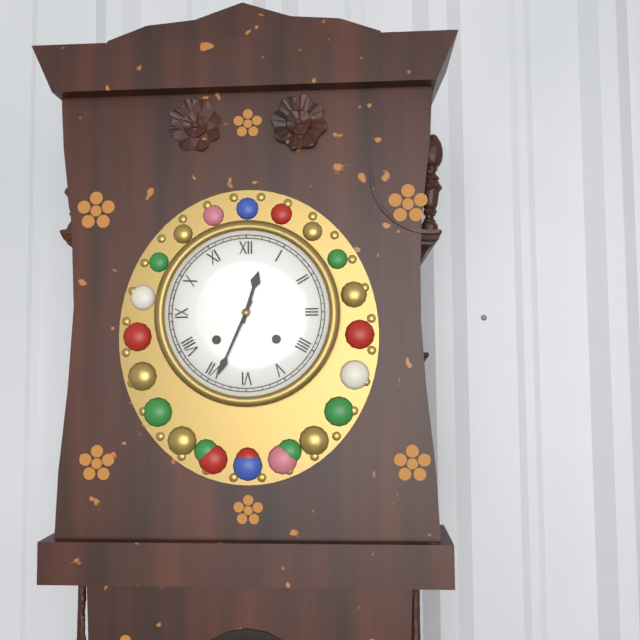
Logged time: 12,34
